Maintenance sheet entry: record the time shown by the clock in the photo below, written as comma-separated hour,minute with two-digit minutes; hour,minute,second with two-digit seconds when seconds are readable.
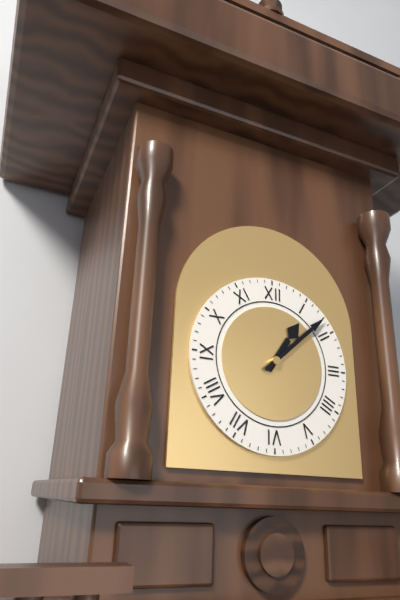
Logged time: 1,08
